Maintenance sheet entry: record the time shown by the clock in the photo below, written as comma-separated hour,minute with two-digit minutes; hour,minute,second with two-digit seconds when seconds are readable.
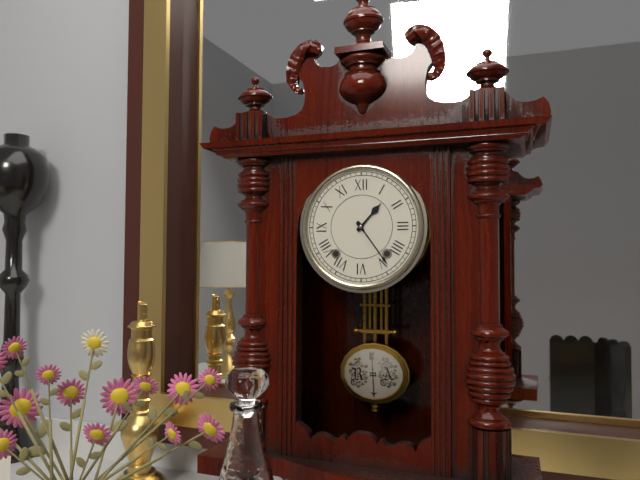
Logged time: 1,24
